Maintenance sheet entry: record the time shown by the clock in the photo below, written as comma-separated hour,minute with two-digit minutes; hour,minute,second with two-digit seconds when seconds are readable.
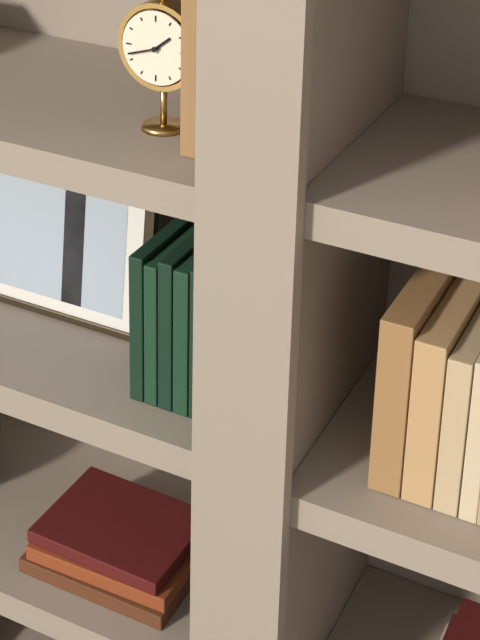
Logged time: 1,42
